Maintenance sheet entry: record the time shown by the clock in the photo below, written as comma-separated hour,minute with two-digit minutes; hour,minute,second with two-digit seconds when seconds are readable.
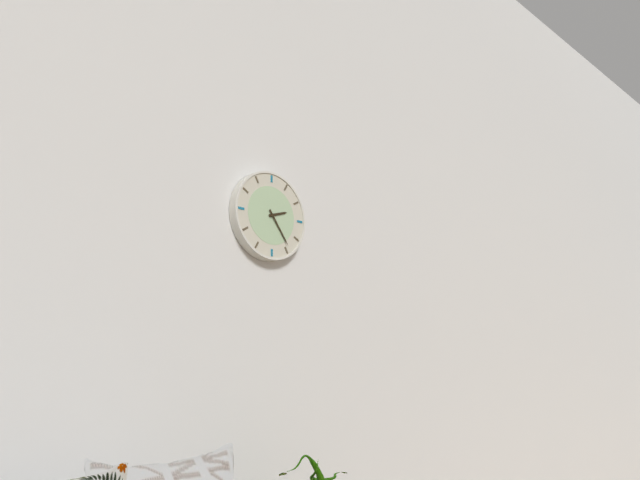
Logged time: 2,24
